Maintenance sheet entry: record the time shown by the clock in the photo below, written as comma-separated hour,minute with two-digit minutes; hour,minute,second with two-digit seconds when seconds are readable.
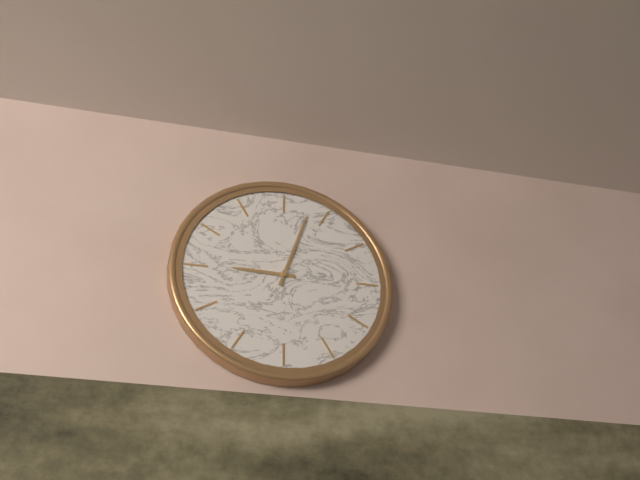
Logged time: 9,03
